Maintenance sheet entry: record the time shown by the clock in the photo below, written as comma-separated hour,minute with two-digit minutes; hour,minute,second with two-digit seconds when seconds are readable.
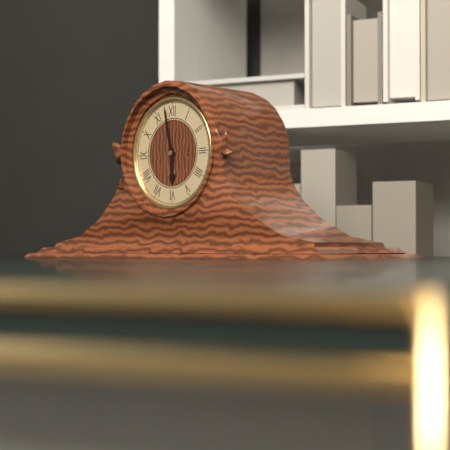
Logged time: 5,58
